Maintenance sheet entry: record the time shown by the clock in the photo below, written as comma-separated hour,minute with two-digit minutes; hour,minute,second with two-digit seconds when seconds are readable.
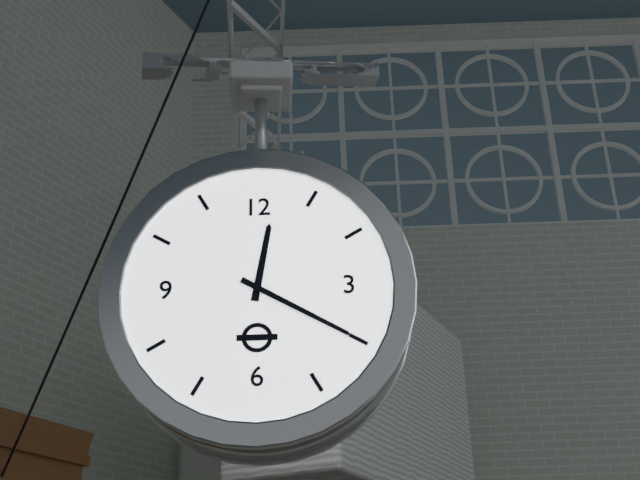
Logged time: 12,20
